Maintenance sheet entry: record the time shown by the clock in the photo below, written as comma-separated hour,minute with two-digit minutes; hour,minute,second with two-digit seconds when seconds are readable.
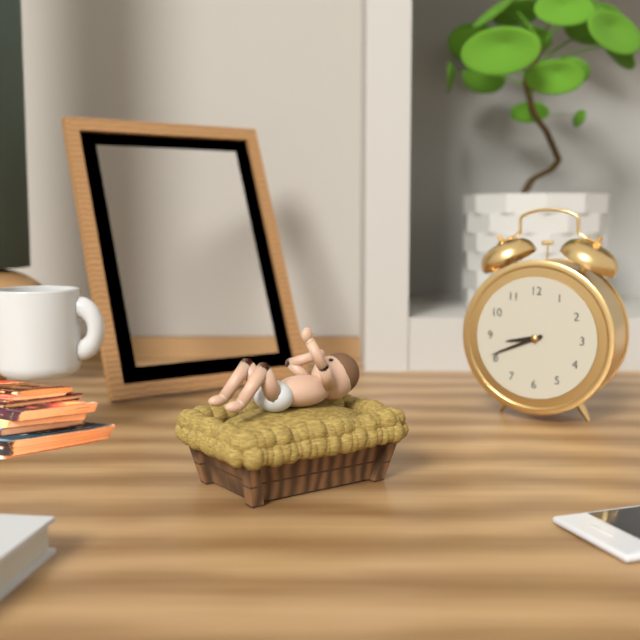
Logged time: 8,41
